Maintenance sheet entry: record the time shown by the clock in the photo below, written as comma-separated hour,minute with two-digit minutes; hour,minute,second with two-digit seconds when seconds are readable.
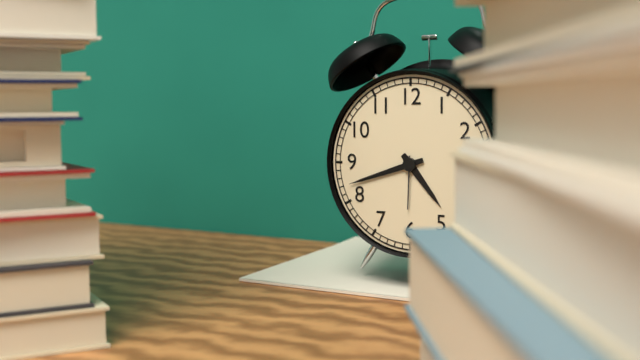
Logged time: 4,42
